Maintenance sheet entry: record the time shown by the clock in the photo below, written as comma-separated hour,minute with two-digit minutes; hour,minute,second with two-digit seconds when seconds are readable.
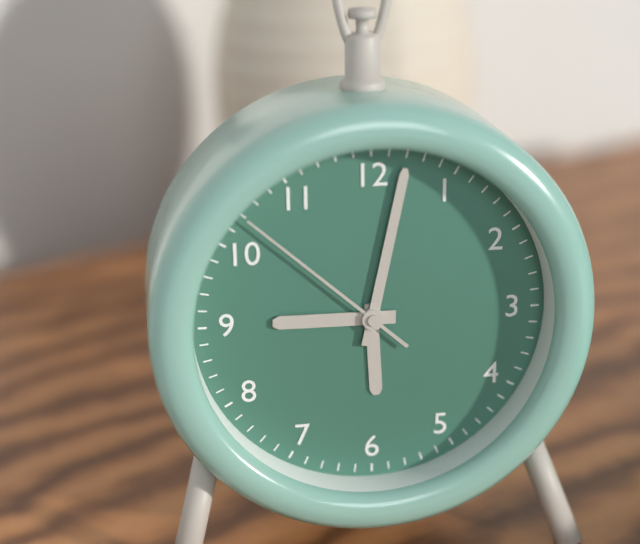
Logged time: 9,02,52
